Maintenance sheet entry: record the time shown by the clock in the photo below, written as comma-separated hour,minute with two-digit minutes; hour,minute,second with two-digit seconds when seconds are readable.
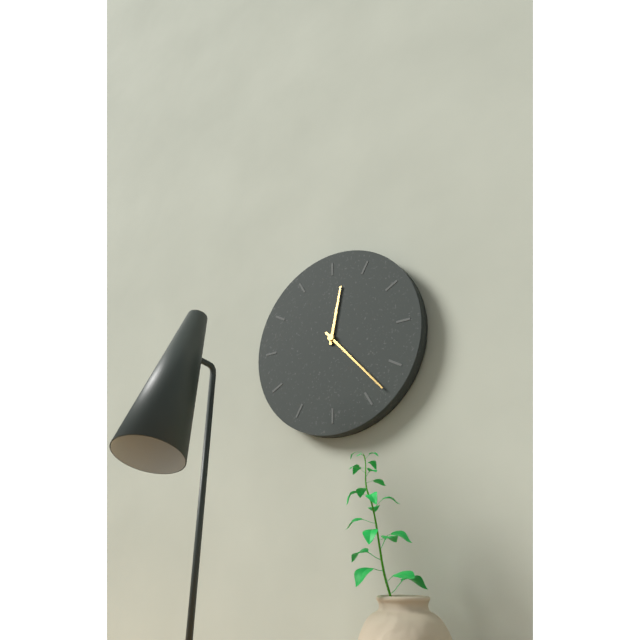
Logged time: 12,23
